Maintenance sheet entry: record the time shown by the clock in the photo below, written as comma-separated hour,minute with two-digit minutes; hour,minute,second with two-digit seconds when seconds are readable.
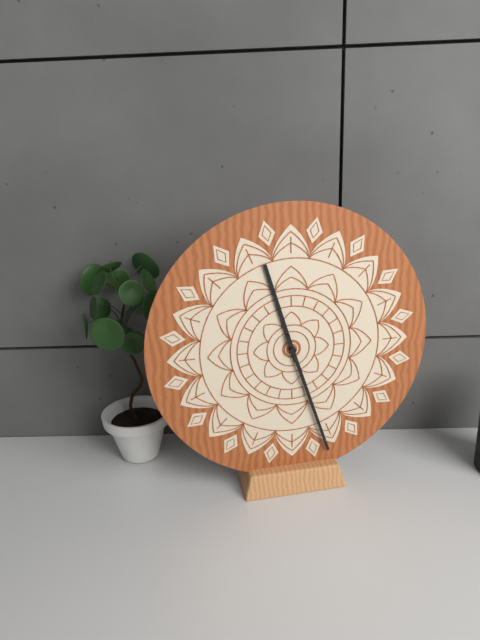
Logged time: 11,27
